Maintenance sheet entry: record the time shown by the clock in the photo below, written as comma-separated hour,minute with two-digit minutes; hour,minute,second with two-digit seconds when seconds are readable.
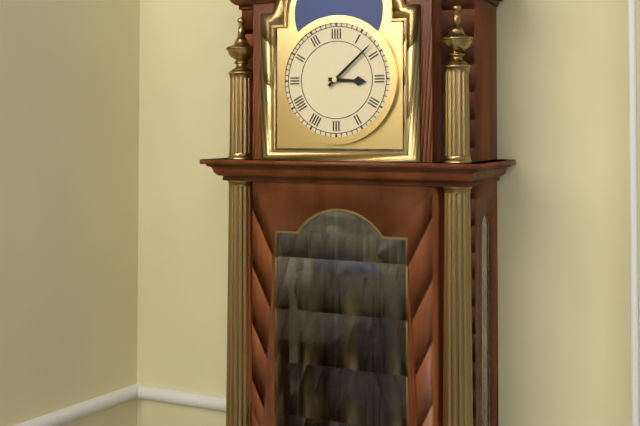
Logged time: 3,08
